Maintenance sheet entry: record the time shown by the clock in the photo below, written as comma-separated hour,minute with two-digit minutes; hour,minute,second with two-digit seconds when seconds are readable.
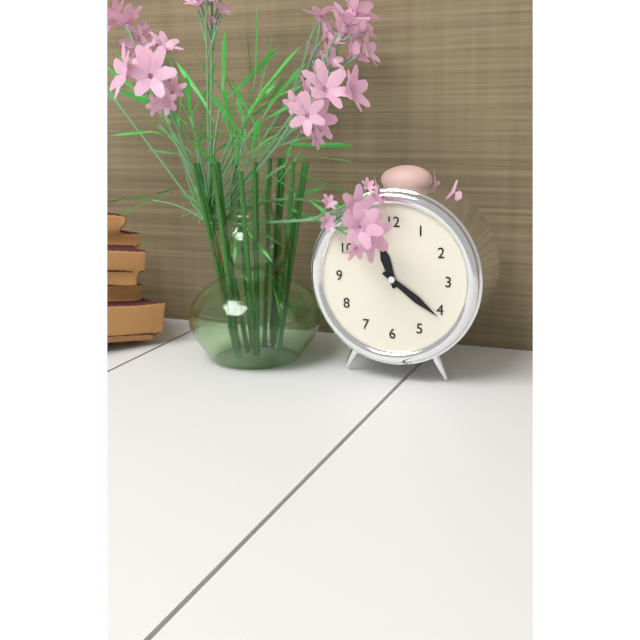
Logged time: 11,21
